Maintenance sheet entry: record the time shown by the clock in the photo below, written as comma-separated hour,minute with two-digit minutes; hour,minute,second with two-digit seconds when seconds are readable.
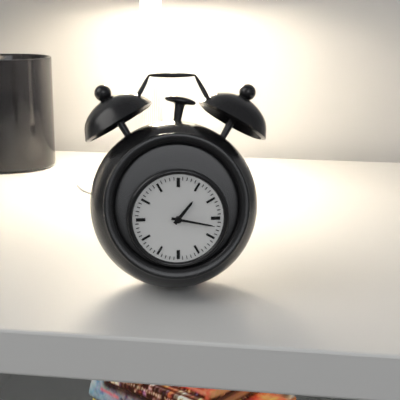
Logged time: 1,17
